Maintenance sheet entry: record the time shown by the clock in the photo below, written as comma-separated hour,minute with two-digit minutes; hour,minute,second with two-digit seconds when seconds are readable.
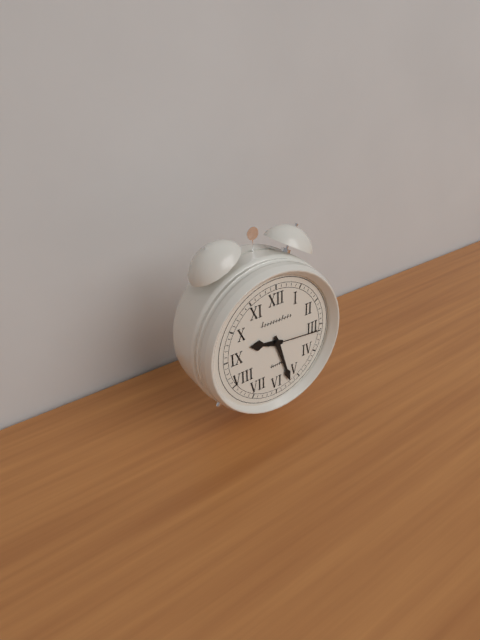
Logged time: 9,27,16
